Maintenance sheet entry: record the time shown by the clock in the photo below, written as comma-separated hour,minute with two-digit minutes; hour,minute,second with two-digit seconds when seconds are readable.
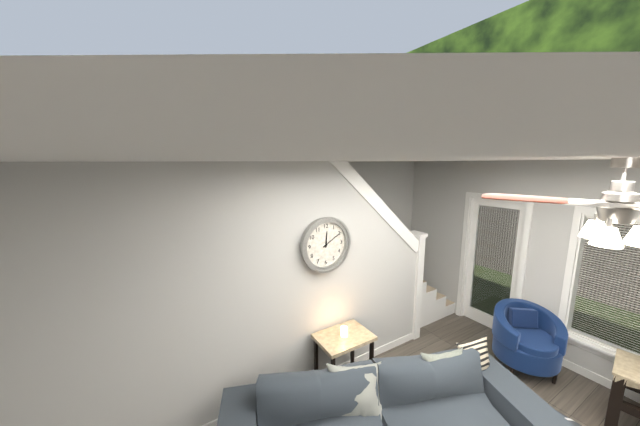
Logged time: 12,10
